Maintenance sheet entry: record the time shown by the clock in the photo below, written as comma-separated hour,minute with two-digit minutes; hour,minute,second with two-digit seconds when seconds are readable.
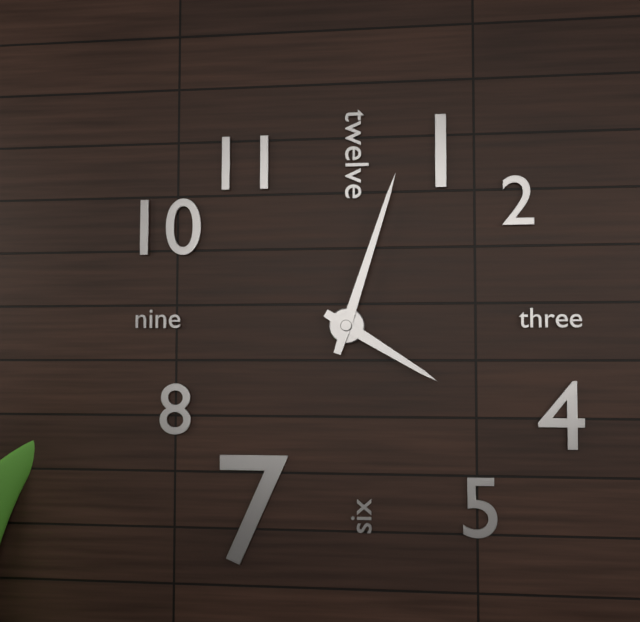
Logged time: 4,03
